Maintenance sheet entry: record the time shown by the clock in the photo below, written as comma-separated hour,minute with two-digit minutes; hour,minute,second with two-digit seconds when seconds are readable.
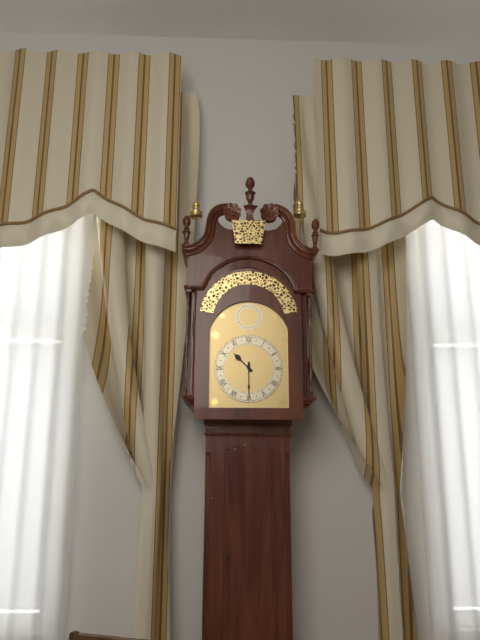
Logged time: 10,30
